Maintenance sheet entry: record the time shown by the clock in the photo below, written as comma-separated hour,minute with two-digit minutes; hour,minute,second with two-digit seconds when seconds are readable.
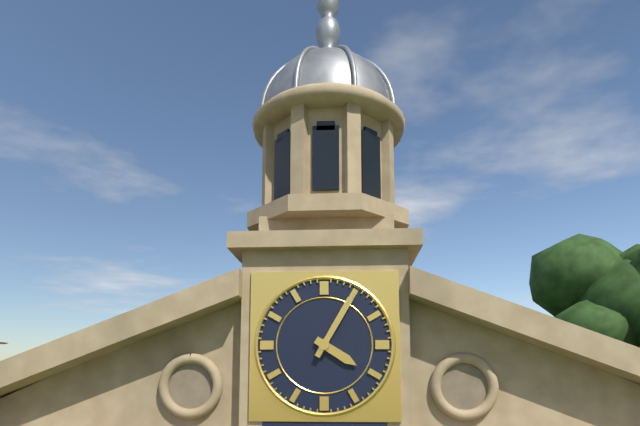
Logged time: 4,05
